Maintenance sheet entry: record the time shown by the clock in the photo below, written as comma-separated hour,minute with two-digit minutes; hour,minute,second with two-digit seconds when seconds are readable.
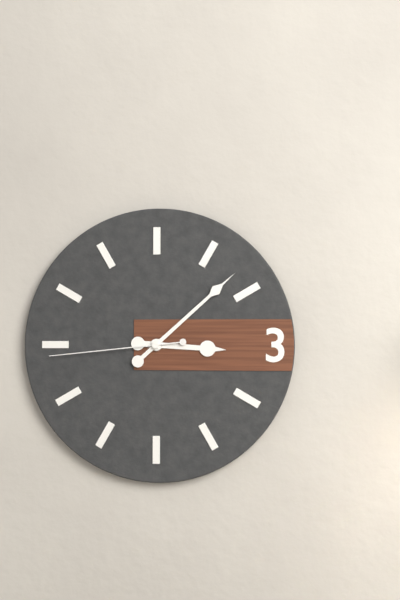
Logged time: 3,08,44
